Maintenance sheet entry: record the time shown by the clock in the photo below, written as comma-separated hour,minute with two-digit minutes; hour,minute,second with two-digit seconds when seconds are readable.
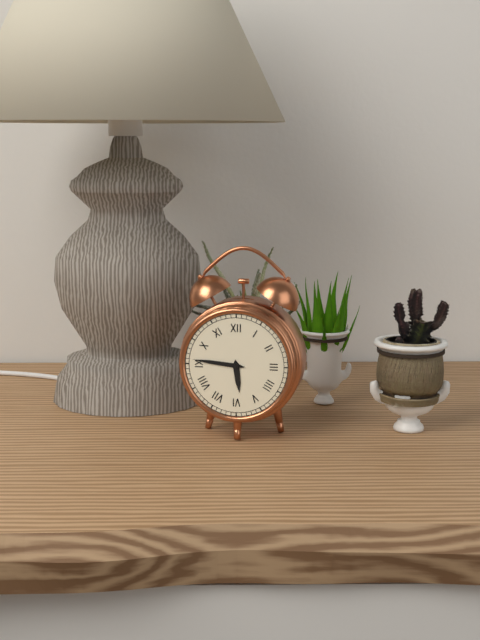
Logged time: 5,46
